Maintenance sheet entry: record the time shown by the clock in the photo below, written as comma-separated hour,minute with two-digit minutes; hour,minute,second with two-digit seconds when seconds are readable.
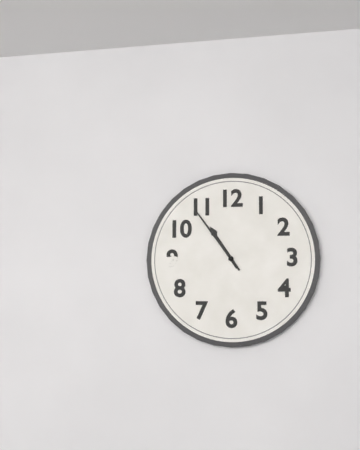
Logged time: 10,54
